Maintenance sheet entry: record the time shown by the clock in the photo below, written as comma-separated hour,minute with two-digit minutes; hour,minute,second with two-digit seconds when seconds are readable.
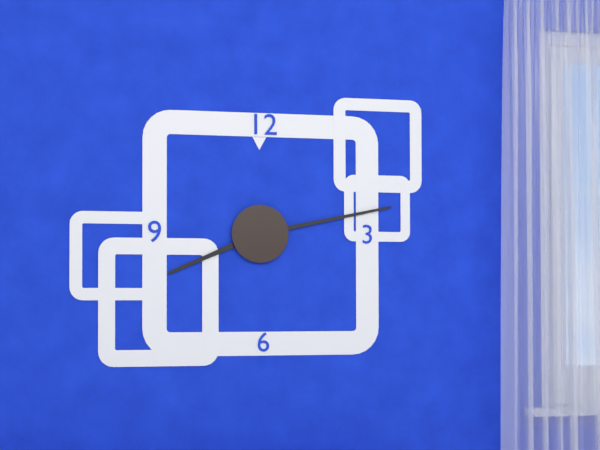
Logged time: 8,13
